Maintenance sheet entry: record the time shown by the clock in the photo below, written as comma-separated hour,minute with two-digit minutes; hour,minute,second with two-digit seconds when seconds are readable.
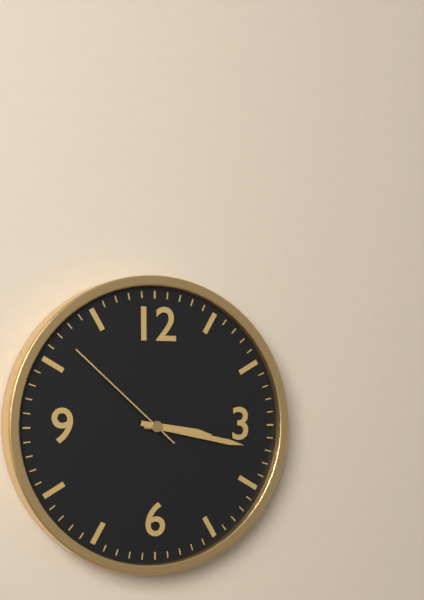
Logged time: 3,17,52
